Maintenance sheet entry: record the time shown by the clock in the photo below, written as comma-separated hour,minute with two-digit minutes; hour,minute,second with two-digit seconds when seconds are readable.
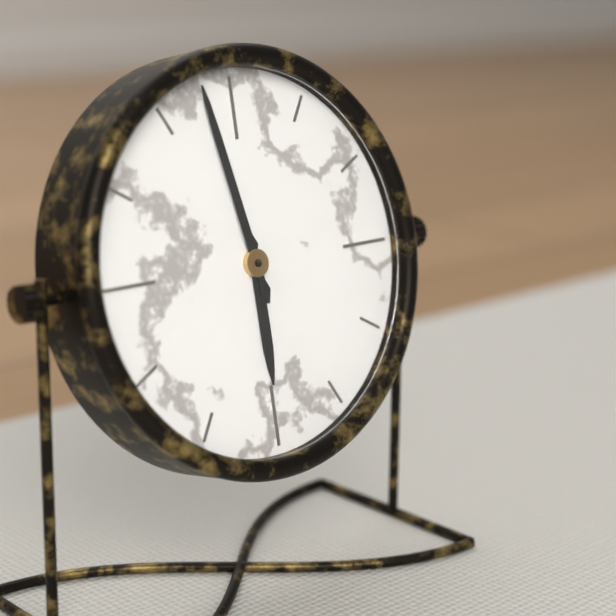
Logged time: 5,58
